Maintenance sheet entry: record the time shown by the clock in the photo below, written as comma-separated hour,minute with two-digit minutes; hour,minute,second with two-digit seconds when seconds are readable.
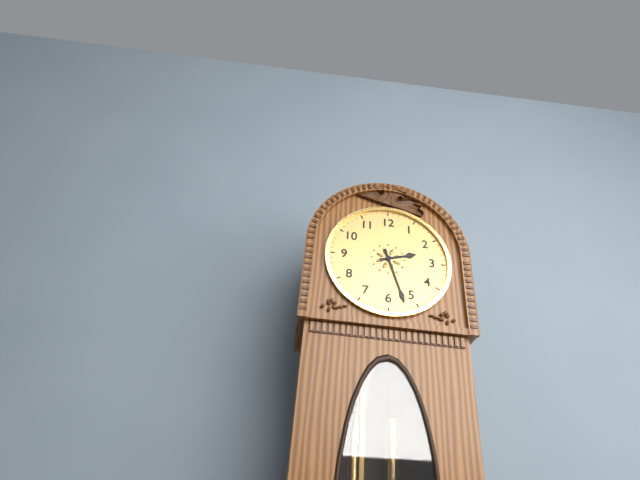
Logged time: 2,27
